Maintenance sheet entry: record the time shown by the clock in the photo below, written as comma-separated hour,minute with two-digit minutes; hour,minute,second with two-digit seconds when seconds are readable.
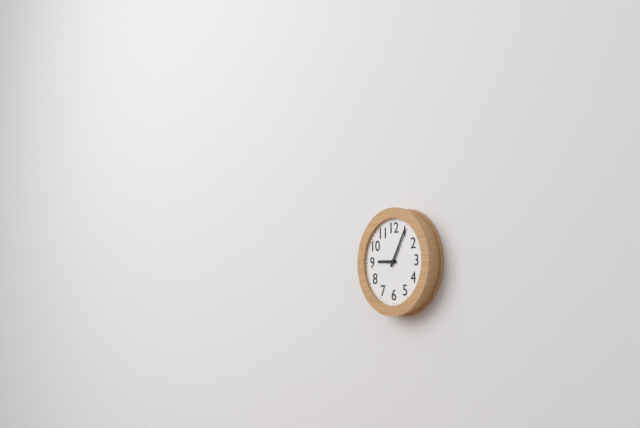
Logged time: 9,05
